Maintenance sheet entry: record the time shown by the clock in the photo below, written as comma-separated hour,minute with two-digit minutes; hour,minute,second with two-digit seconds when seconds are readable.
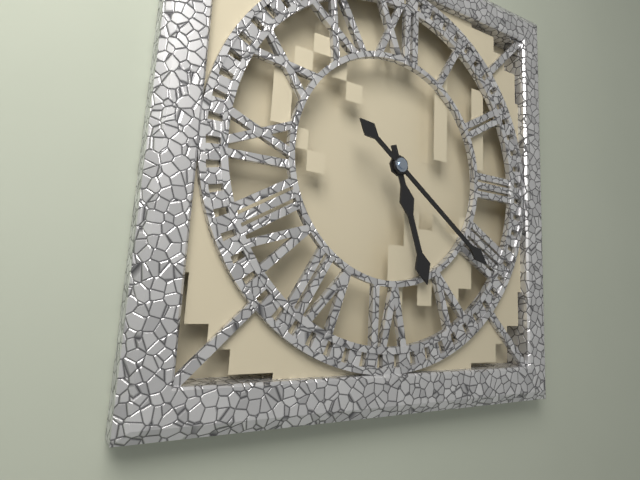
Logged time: 5,21
